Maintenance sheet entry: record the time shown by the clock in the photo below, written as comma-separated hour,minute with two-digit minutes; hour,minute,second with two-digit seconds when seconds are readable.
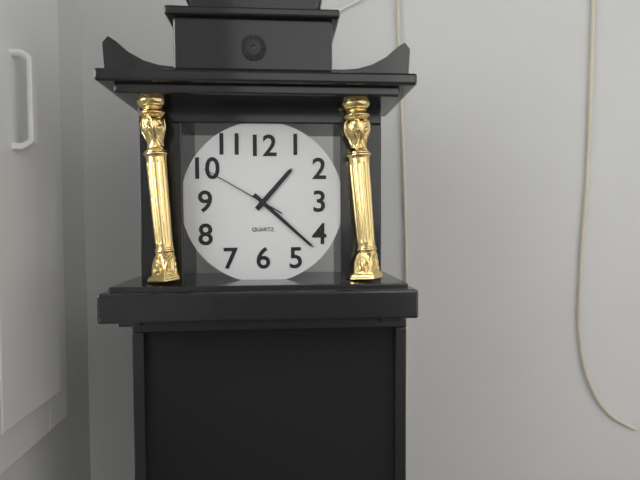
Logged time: 1,22,50
